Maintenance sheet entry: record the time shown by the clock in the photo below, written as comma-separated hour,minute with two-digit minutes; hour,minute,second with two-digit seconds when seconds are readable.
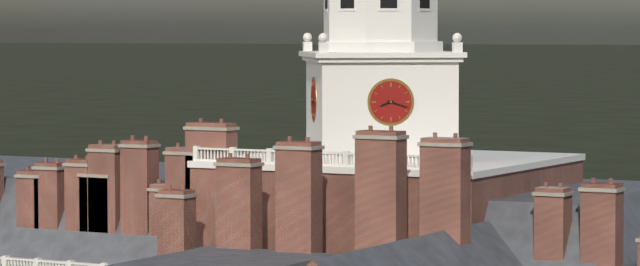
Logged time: 8,18
